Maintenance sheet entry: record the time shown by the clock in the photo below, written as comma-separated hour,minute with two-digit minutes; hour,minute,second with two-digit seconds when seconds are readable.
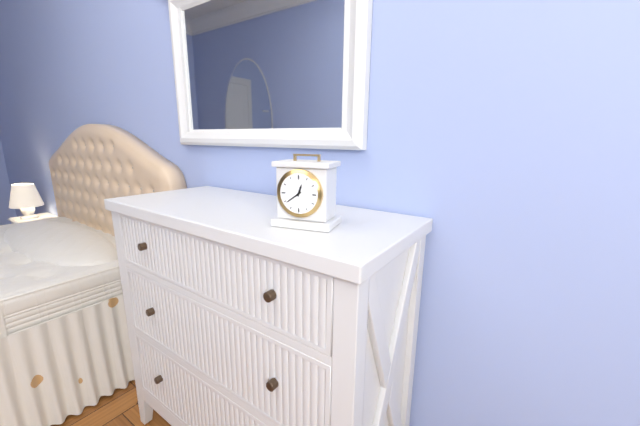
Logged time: 12,39
